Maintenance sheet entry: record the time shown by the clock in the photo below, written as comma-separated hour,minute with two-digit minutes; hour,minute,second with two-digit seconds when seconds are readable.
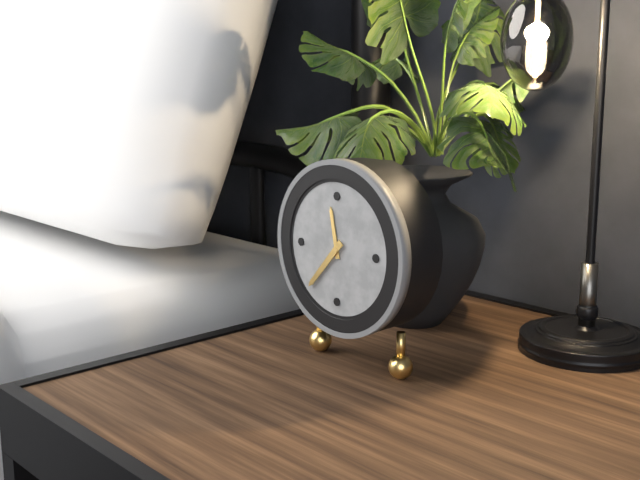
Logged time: 11,37
